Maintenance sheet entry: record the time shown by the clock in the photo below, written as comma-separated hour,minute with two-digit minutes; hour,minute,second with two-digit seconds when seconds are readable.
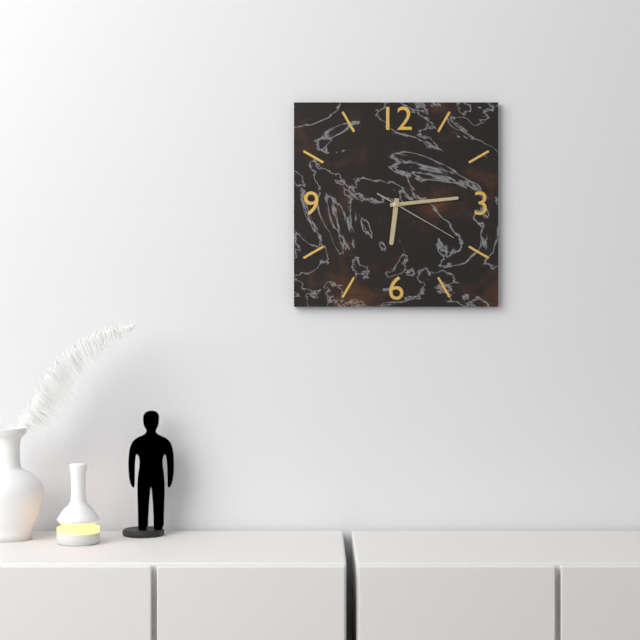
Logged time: 6,14,20
